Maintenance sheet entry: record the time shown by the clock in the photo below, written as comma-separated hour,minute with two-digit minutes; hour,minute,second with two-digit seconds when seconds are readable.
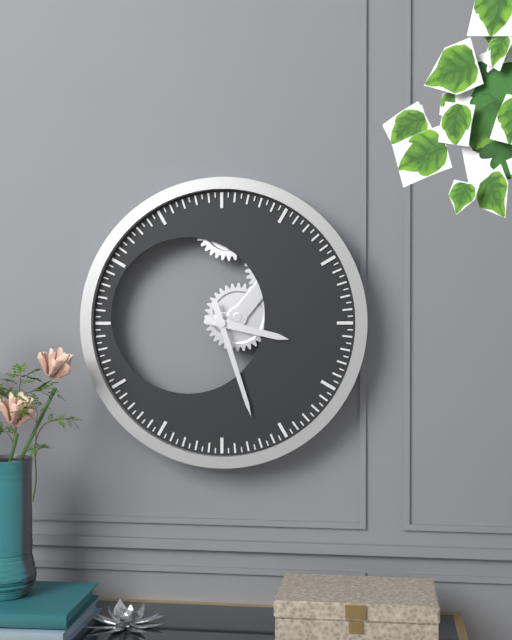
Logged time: 3,27
